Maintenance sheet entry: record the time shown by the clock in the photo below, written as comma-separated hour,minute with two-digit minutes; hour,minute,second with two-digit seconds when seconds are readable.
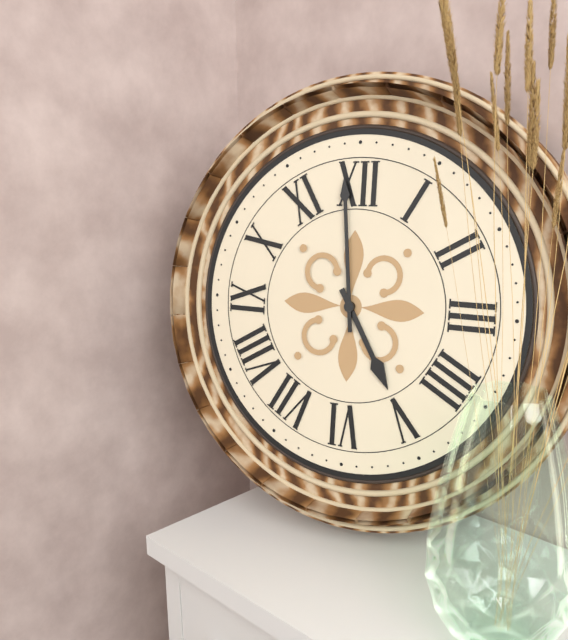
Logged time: 4,59
